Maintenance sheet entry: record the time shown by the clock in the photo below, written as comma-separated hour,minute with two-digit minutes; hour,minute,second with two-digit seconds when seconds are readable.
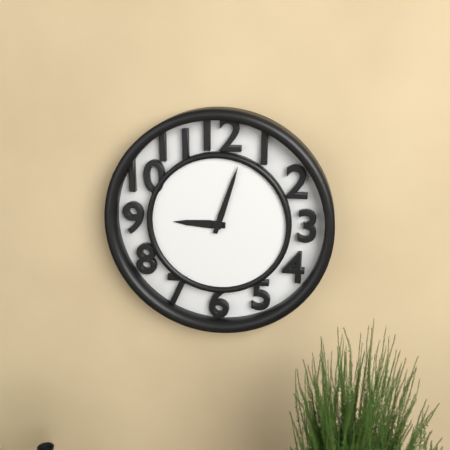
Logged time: 9,03
